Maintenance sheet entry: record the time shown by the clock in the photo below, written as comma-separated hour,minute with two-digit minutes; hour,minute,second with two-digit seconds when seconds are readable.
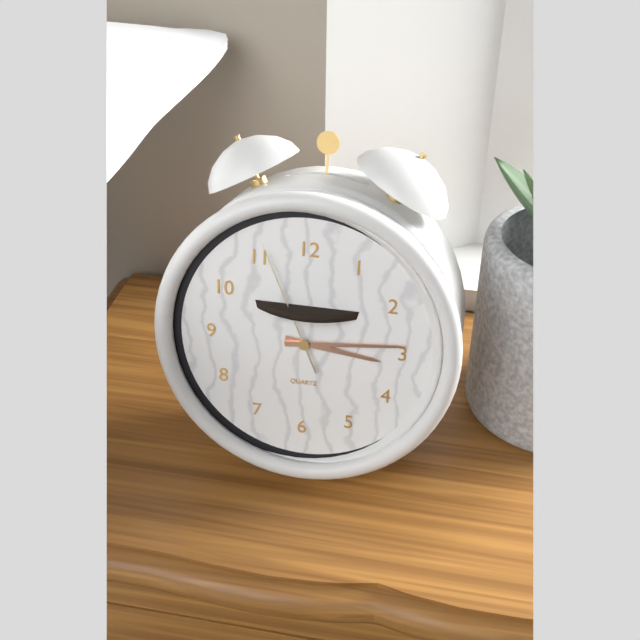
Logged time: 3,14,56
